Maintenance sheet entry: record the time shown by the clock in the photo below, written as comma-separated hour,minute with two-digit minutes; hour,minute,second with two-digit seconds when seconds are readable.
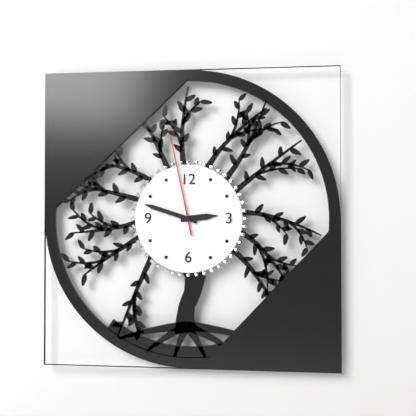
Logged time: 2,48,58
